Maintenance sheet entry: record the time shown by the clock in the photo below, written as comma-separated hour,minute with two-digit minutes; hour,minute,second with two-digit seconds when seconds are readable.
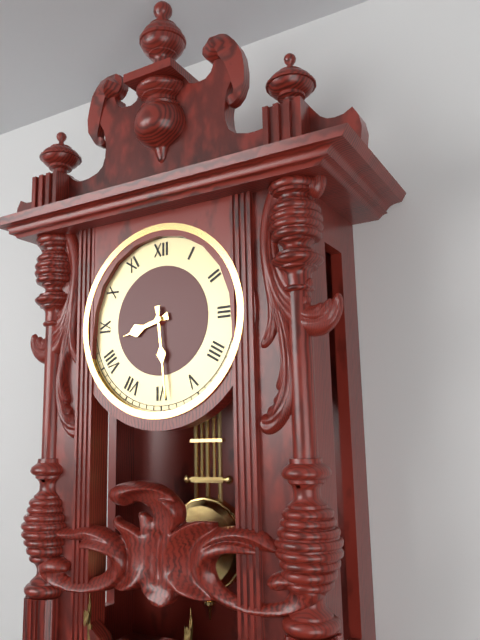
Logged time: 8,29
